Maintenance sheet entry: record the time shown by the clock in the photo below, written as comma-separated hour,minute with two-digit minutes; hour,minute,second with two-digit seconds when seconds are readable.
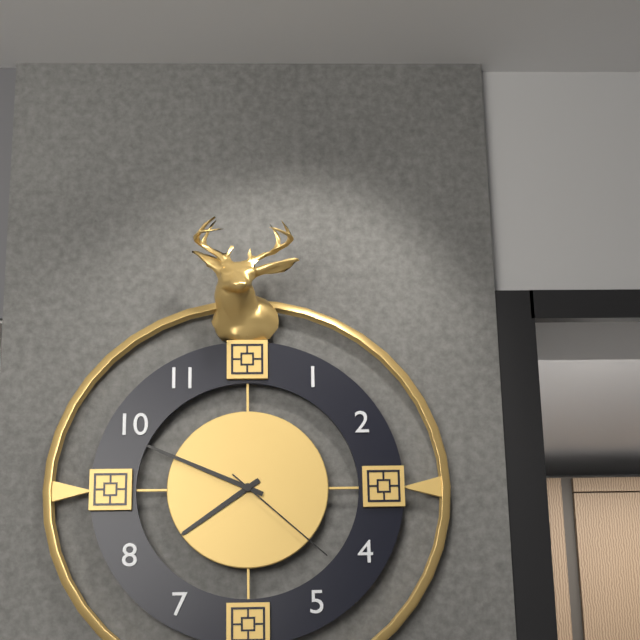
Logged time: 7,49,22
